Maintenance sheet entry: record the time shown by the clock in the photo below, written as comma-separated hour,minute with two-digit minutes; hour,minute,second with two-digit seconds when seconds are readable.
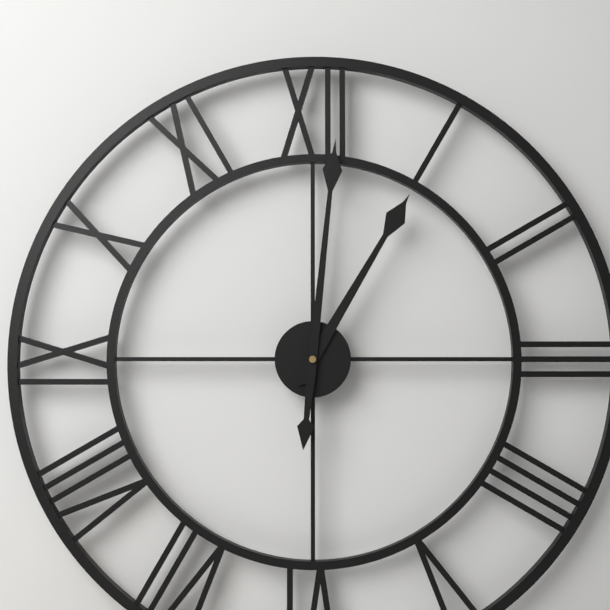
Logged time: 1,01
